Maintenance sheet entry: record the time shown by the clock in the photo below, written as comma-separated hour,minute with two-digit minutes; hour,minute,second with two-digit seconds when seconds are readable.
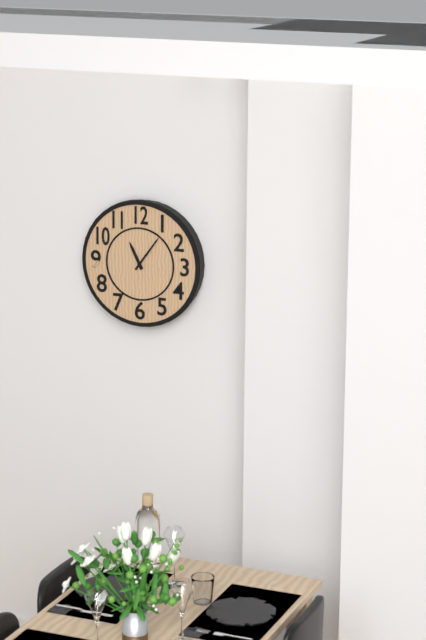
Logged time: 11,06
